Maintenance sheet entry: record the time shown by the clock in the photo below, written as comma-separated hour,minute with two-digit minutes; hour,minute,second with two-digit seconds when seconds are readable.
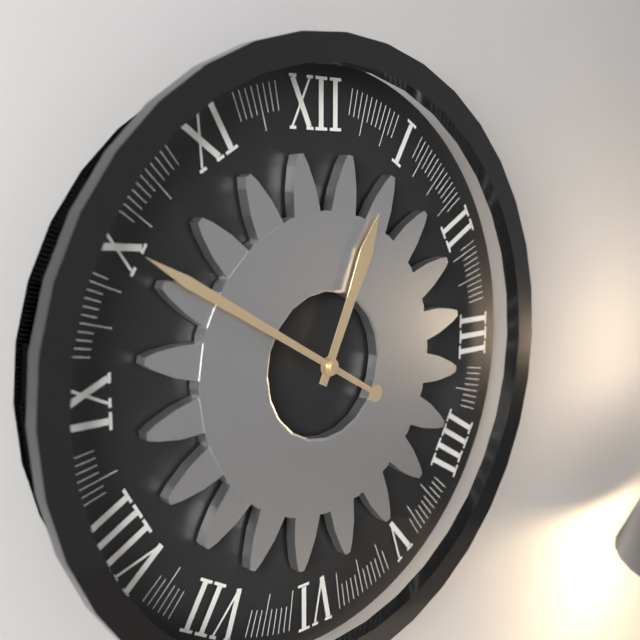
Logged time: 12,50
